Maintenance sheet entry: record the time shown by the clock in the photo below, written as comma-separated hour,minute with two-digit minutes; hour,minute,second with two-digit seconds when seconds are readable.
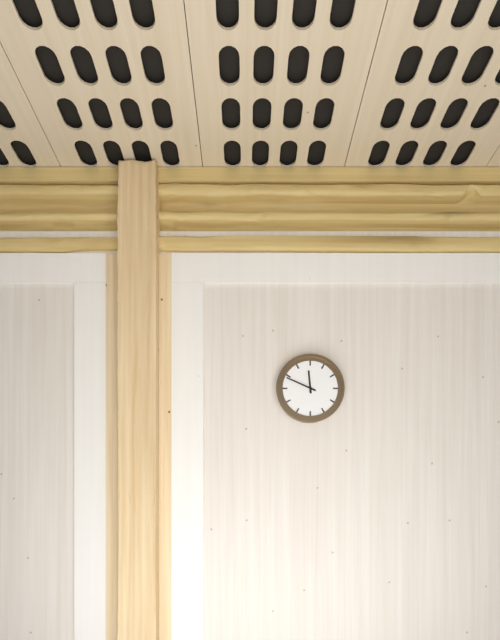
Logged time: 11,49
